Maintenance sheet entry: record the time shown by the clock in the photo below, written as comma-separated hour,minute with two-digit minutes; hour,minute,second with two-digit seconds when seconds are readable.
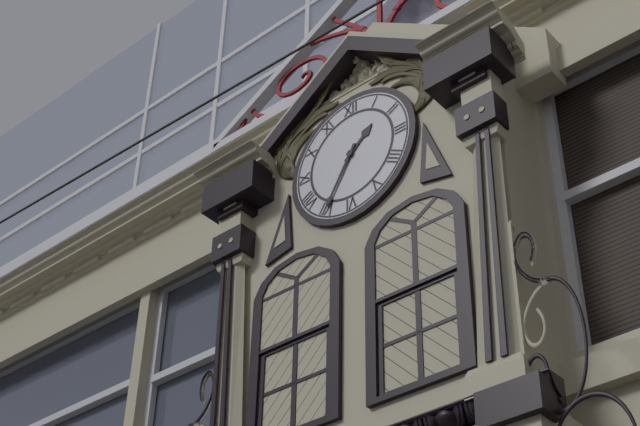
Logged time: 1,35
